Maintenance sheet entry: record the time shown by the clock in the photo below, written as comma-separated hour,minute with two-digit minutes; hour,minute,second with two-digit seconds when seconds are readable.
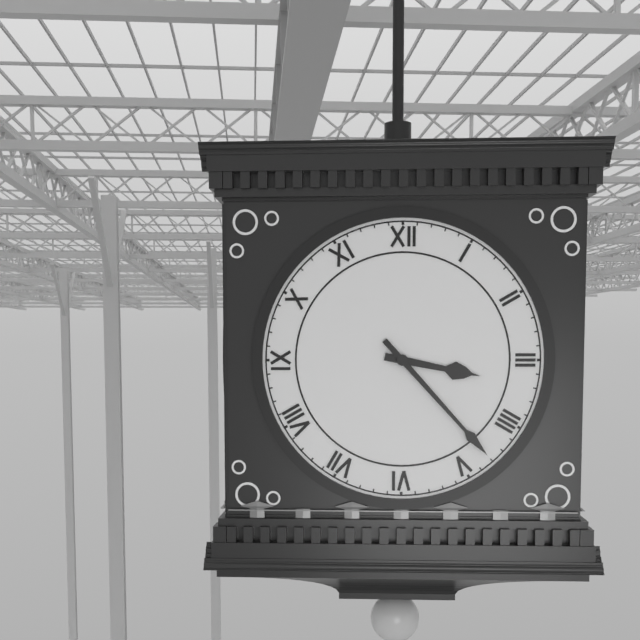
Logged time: 3,23
